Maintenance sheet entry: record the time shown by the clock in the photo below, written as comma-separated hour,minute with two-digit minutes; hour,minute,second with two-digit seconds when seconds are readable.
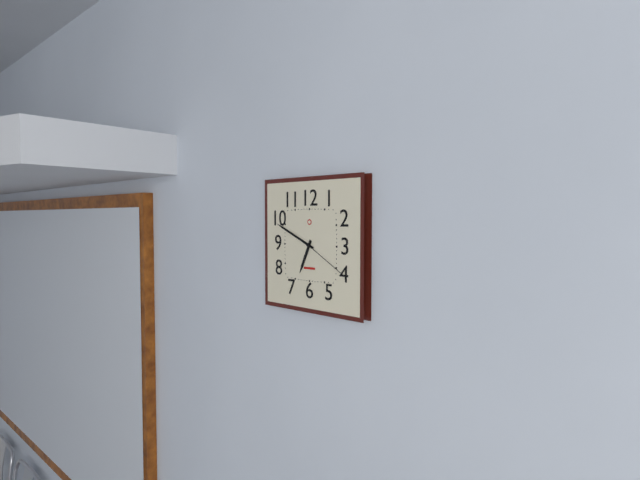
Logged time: 6,49,20
